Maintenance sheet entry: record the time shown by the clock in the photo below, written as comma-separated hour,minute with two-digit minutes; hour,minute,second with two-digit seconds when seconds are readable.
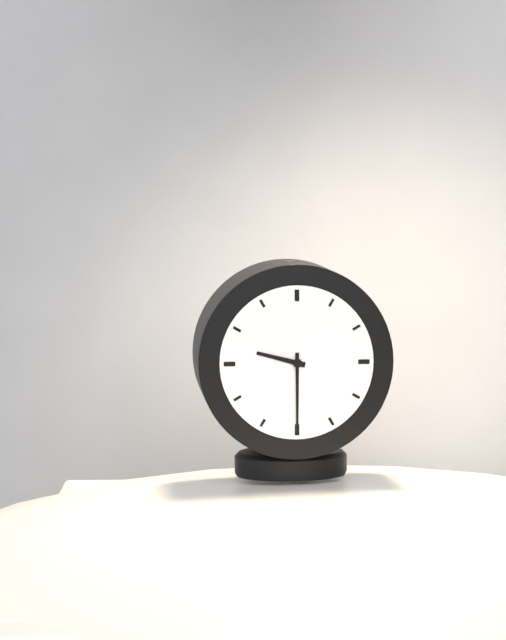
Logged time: 9,30
